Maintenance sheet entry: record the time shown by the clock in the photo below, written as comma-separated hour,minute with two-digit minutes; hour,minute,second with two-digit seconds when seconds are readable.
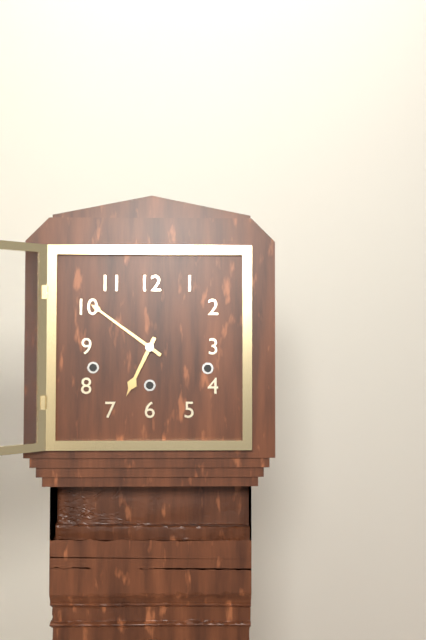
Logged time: 6,51
